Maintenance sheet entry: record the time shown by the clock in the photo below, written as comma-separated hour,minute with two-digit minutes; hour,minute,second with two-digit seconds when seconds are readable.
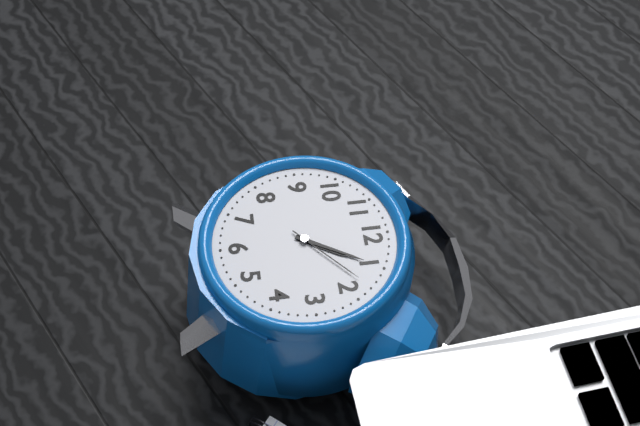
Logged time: 1,05,08
